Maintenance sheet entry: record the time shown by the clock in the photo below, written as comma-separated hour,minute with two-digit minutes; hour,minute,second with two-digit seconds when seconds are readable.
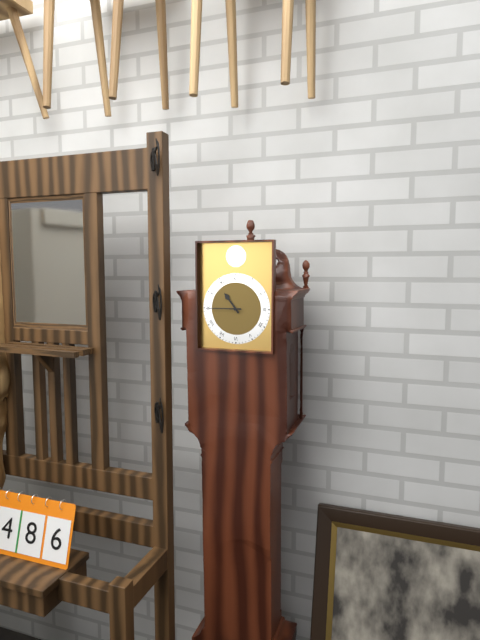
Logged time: 10,45
